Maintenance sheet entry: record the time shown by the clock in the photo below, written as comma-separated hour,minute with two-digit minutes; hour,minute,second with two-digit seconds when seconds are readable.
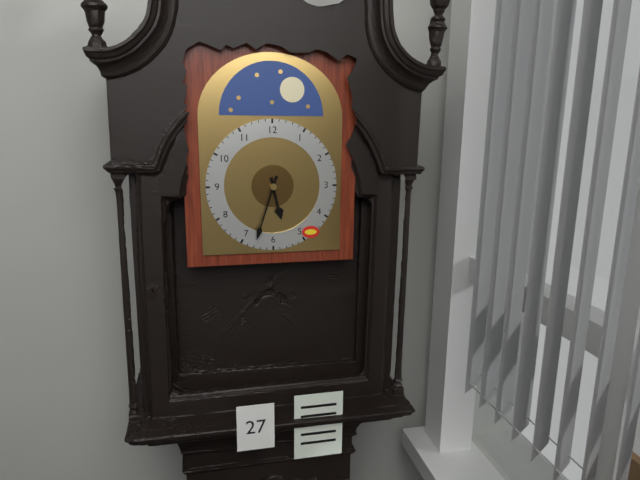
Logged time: 5,33
